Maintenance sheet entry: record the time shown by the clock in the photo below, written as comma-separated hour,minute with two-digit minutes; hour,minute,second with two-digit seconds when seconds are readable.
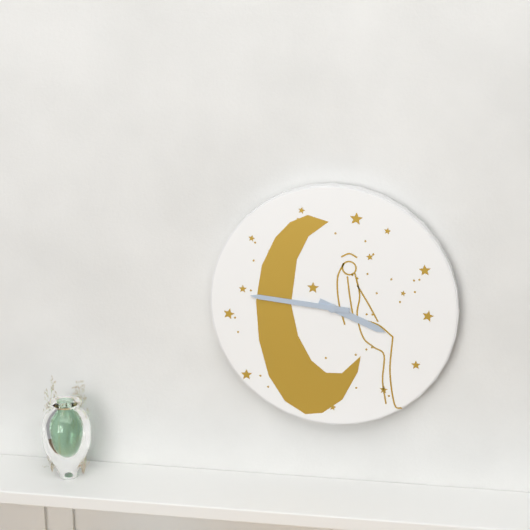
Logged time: 3,46
